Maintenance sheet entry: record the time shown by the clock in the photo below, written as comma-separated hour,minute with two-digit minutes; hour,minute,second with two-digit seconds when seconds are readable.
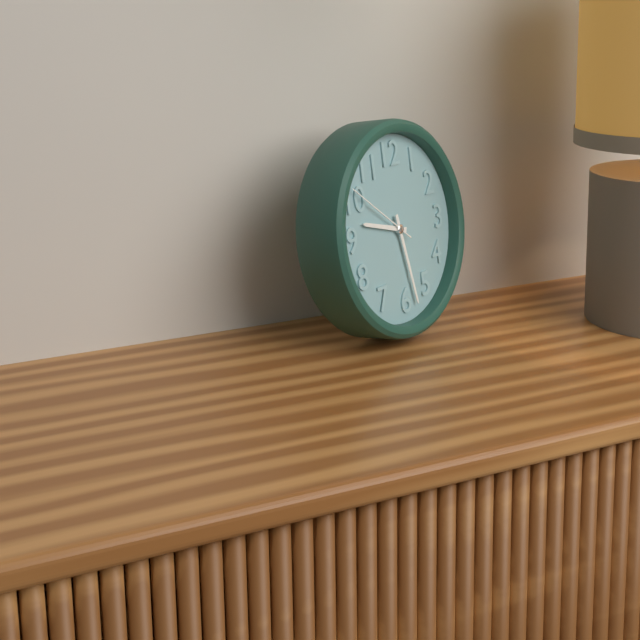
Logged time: 9,28,51
